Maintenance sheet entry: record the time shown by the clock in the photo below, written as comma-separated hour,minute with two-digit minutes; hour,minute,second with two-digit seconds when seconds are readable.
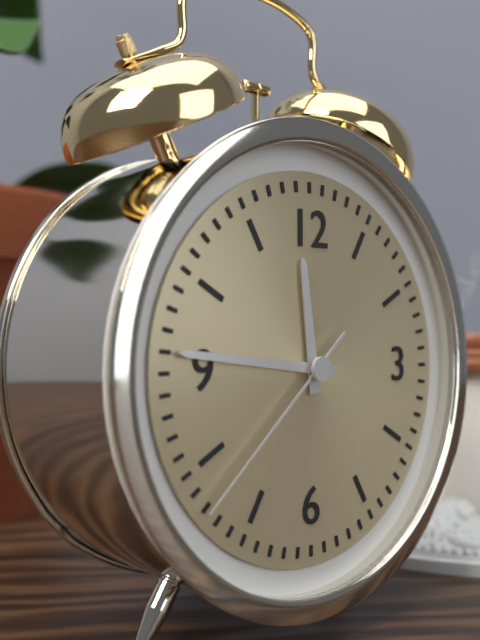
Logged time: 11,46,38
